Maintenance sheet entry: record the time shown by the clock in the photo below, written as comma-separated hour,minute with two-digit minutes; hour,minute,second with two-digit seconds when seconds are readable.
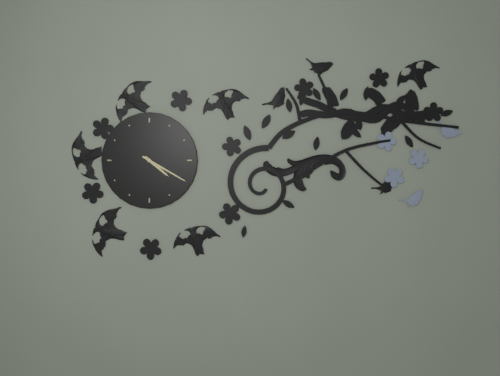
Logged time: 4,20
